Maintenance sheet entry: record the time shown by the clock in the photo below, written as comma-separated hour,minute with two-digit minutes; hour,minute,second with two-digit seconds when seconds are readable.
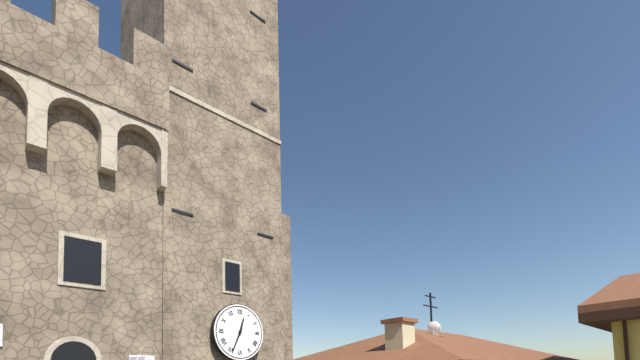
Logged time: 12,34
